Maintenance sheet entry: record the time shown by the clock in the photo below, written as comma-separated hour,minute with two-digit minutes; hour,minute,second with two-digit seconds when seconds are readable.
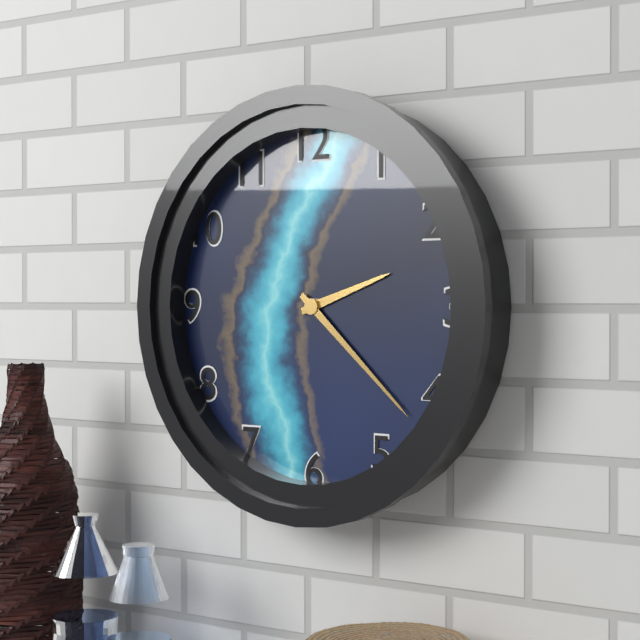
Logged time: 2,22
